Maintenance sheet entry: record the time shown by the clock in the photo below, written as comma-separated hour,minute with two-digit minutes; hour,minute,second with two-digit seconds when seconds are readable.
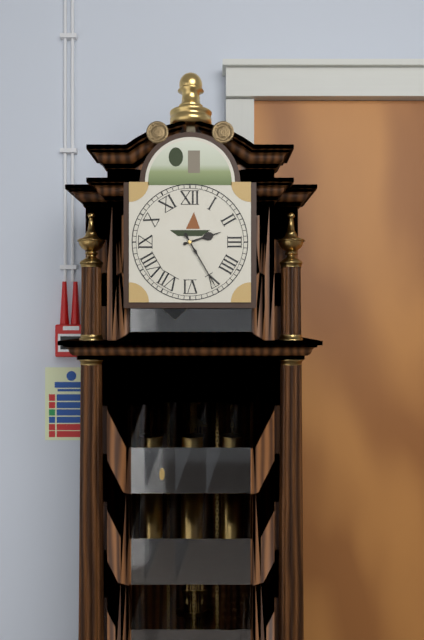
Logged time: 2,25
